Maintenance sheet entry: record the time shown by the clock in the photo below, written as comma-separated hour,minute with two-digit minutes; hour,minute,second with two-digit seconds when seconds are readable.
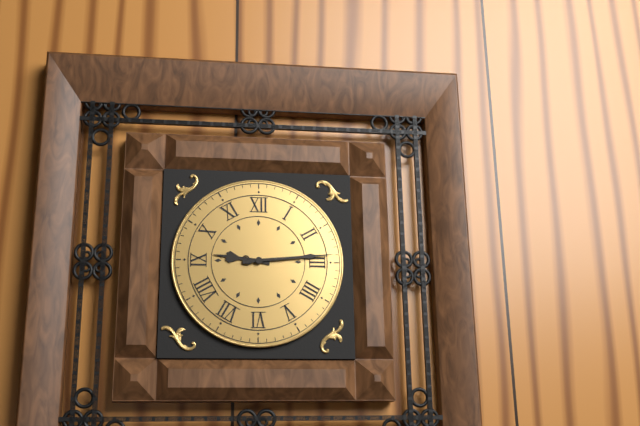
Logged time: 9,14
